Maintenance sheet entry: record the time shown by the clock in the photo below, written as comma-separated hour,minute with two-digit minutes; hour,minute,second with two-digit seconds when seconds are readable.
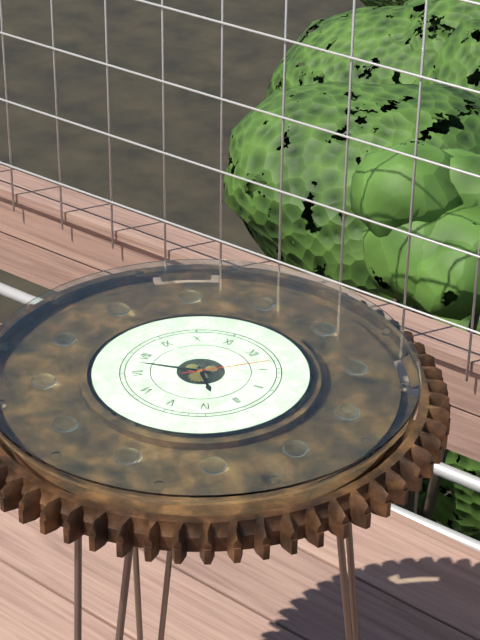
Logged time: 3,38,03
